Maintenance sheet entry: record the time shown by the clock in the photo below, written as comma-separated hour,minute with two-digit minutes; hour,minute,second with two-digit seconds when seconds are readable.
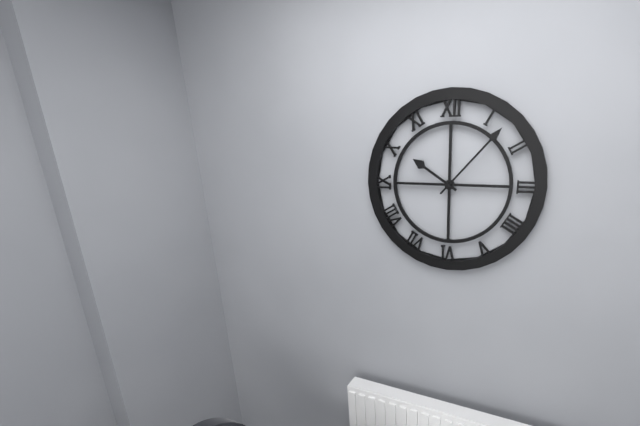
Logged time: 10,07
